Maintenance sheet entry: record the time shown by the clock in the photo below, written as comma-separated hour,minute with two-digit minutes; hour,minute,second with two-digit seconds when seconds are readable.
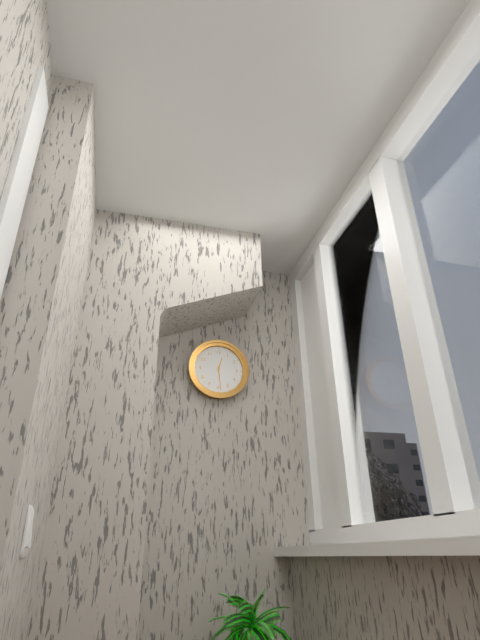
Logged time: 12,29
